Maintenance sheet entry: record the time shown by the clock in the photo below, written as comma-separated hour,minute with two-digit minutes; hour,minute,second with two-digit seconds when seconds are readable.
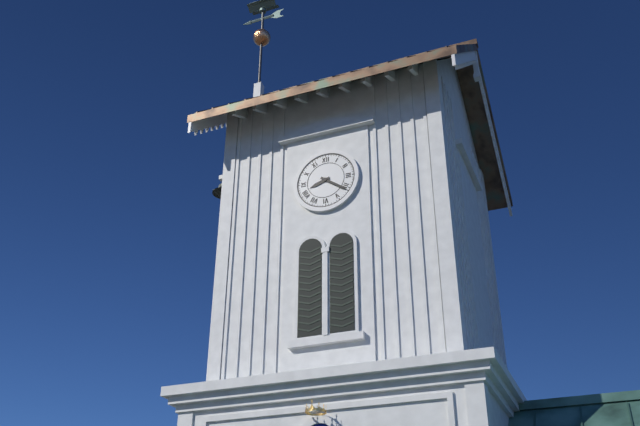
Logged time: 8,21
